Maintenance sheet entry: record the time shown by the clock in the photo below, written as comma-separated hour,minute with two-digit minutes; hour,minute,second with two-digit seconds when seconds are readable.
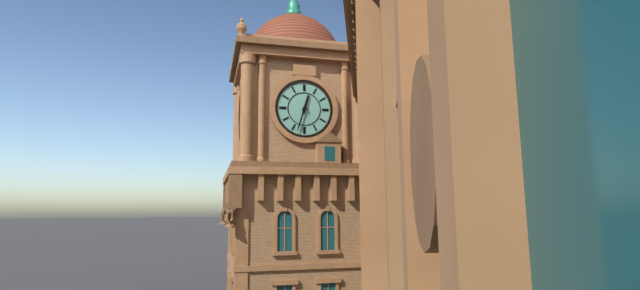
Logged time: 12,33
